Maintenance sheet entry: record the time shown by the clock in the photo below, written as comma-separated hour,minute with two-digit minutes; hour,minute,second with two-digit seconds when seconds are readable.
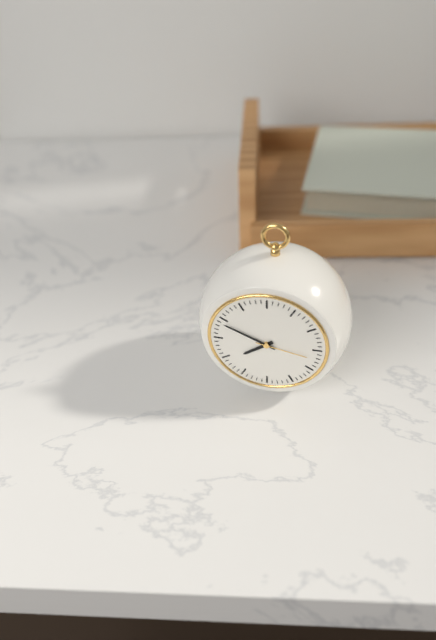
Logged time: 7,49,17
